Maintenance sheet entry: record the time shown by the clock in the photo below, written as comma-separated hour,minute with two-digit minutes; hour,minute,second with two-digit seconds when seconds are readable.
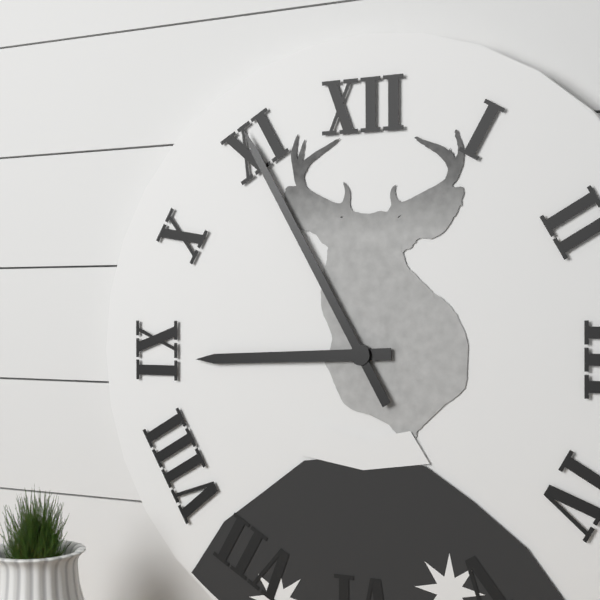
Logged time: 8,55
